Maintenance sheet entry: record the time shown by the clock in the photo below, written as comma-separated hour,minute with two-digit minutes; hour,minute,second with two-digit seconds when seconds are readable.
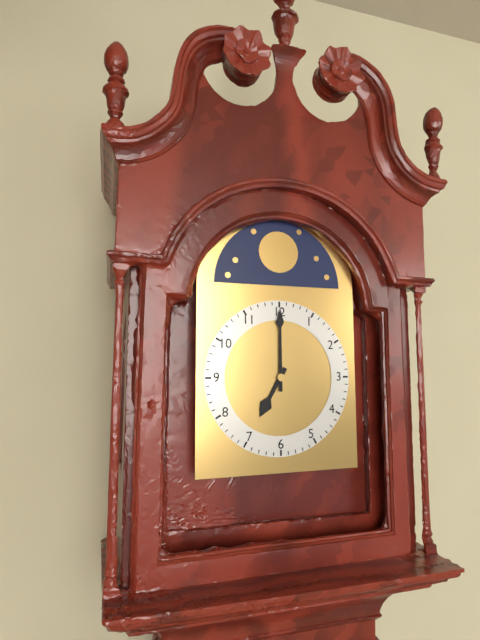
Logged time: 7,00
